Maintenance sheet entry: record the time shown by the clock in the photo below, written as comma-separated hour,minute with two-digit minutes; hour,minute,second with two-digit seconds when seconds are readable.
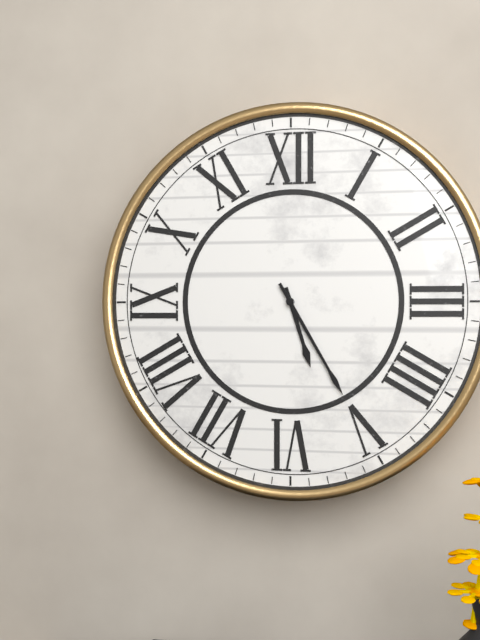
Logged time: 5,25
